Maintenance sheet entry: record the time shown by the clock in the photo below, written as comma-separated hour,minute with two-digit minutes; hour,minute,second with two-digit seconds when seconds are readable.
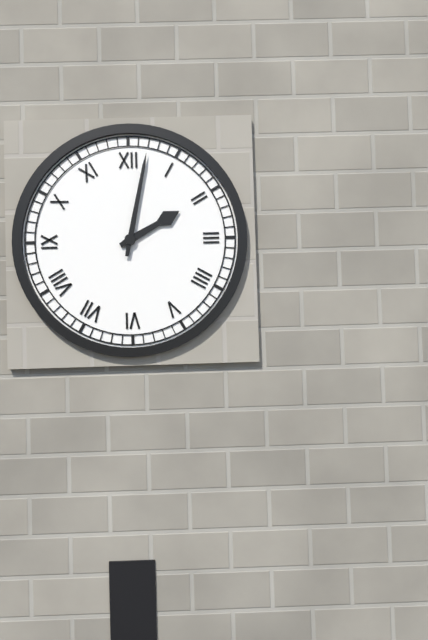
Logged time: 2,02
